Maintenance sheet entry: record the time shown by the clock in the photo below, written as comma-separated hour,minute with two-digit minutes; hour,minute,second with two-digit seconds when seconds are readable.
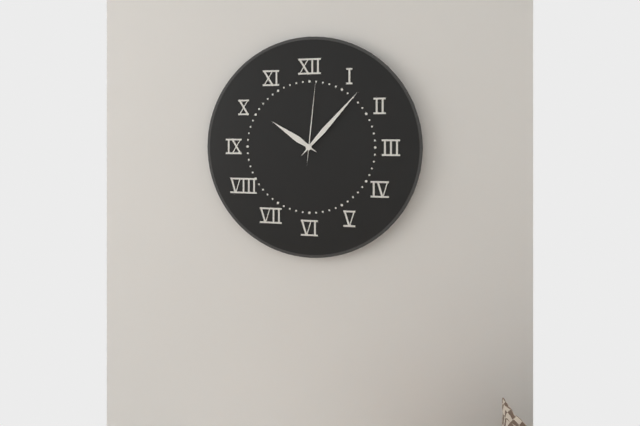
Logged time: 10,07,01
